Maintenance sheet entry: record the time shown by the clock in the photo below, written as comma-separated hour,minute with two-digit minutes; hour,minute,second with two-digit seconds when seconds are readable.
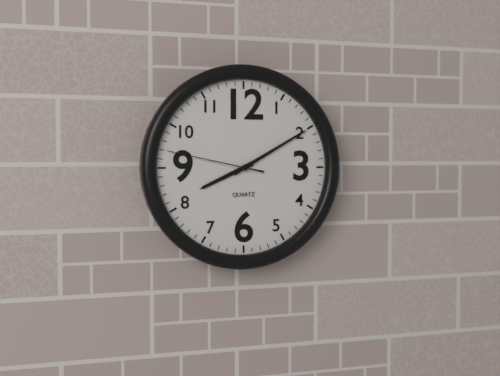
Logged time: 8,10,47
